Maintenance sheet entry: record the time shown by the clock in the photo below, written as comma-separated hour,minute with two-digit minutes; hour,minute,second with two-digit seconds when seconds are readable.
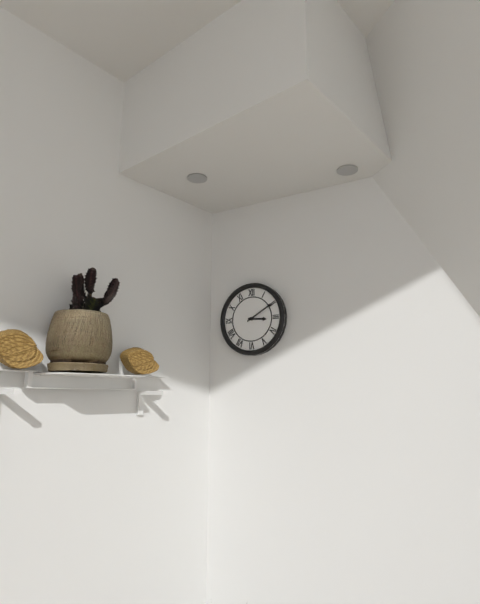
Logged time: 3,10
